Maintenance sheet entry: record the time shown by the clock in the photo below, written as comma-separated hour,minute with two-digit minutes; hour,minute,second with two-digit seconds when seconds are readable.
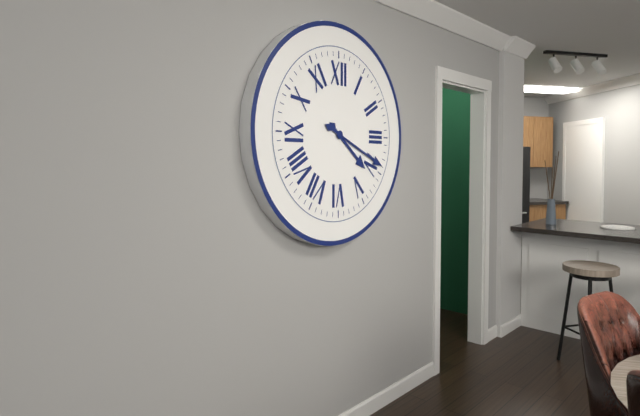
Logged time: 4,19
